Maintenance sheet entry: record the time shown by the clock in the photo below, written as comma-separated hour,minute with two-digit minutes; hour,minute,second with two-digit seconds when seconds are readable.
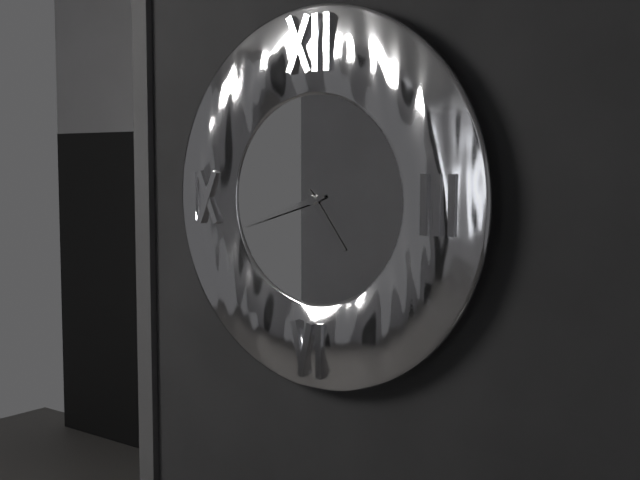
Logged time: 4,42
